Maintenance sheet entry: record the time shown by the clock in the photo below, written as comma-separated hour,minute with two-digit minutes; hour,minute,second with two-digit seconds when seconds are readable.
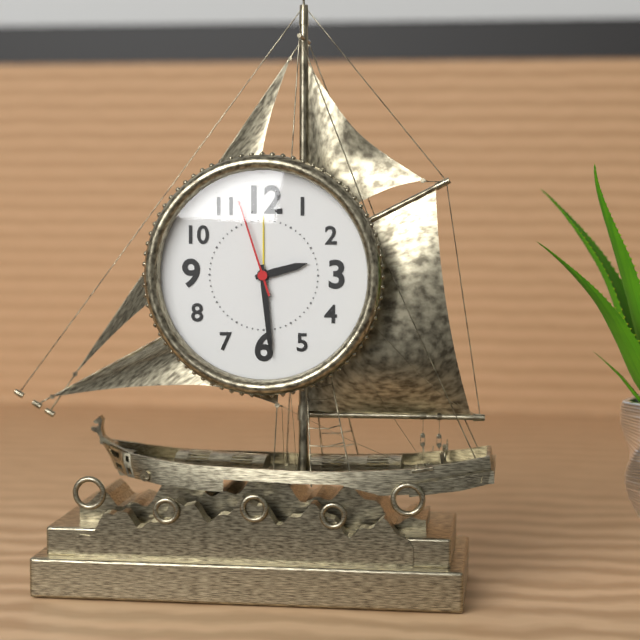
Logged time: 2,29,57
